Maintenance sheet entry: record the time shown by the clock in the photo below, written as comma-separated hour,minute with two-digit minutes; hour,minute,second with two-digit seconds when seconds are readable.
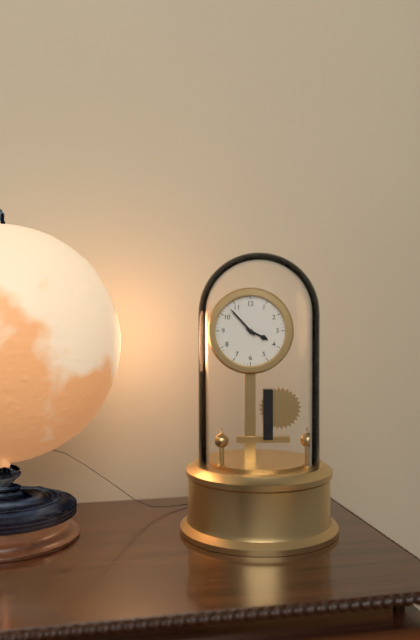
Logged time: 3,53
